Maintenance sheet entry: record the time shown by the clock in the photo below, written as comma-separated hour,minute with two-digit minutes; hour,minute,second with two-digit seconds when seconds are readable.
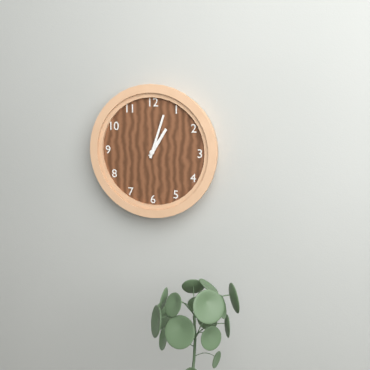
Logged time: 1,03
